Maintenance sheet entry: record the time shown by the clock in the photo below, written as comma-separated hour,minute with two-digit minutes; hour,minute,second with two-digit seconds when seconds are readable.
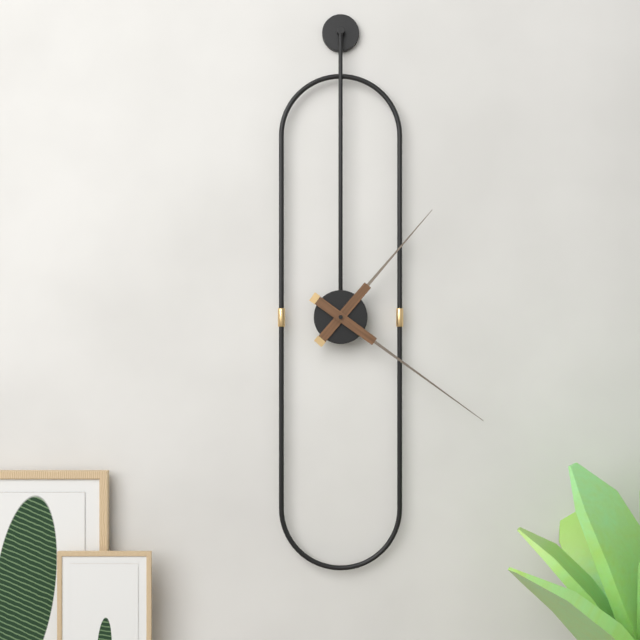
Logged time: 1,21
